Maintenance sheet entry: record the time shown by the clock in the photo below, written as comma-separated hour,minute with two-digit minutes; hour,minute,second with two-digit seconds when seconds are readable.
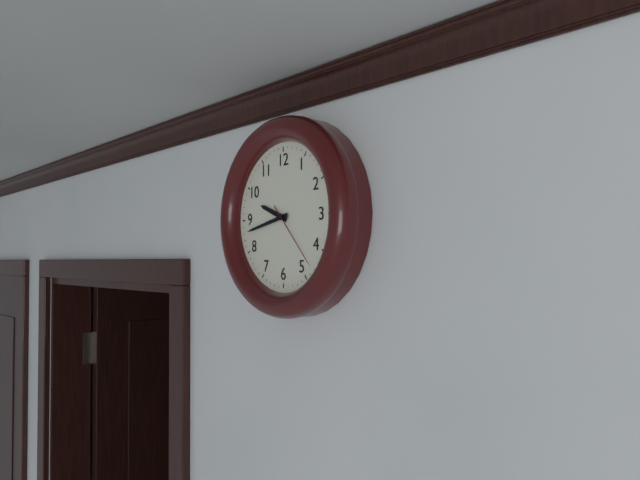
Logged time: 9,43,23
